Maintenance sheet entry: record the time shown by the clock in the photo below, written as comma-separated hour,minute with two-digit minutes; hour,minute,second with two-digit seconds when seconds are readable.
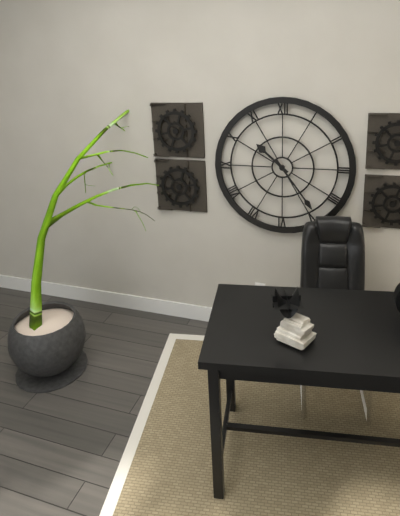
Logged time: 10,24
